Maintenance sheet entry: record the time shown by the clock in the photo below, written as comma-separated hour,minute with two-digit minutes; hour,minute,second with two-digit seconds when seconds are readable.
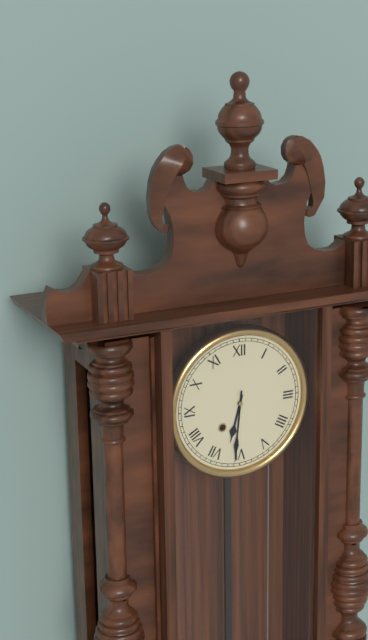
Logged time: 6,31
